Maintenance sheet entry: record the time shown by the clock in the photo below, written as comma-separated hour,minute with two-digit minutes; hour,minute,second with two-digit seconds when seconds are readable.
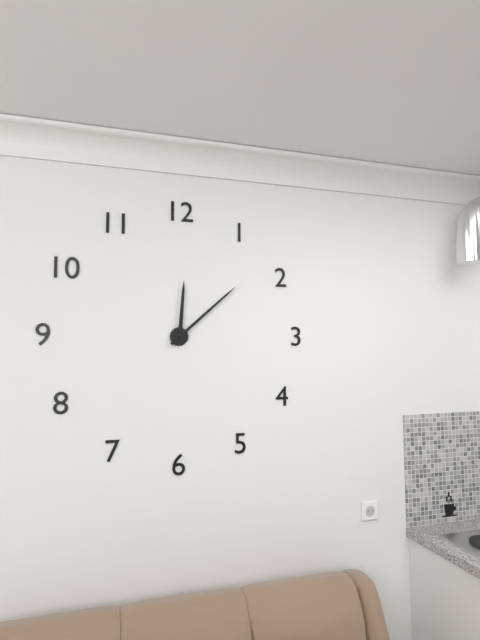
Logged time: 12,08
